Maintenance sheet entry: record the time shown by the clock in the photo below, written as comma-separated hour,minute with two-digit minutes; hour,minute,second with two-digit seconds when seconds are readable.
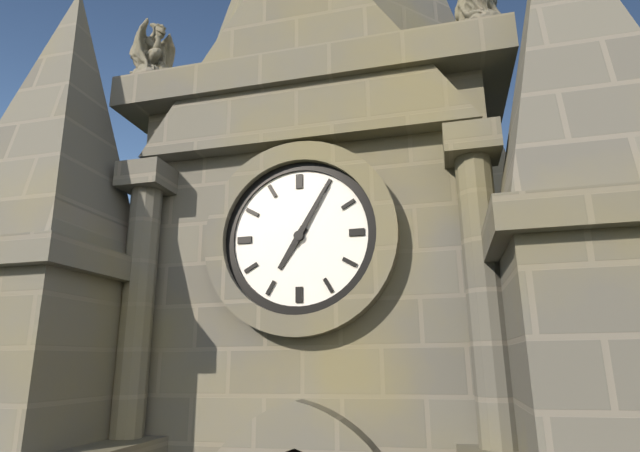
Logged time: 7,05
